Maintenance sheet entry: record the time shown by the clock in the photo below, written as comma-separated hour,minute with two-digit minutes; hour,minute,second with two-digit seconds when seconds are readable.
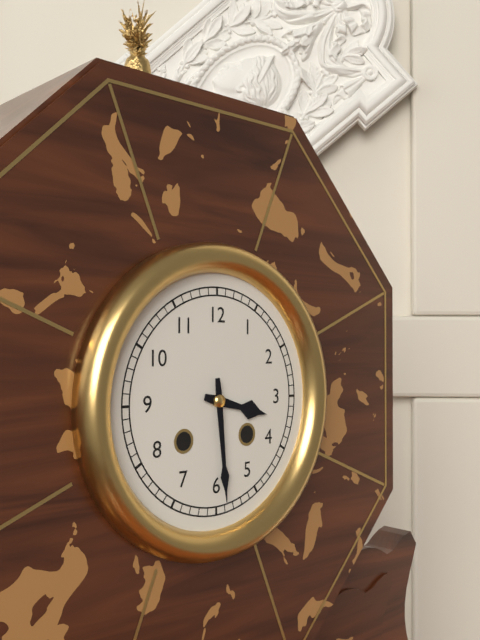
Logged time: 3,29
